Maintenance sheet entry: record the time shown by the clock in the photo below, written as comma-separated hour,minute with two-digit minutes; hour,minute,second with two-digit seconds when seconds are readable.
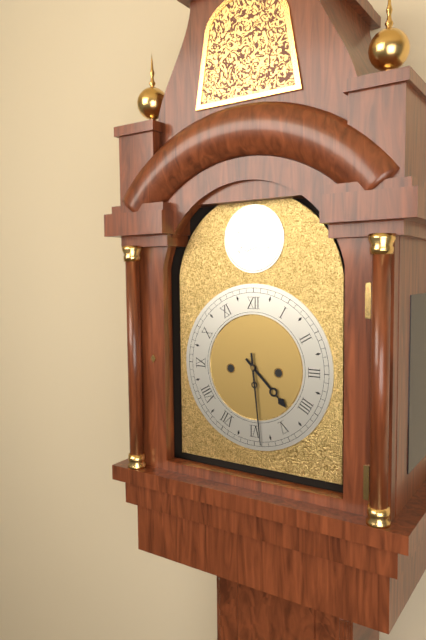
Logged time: 4,29
